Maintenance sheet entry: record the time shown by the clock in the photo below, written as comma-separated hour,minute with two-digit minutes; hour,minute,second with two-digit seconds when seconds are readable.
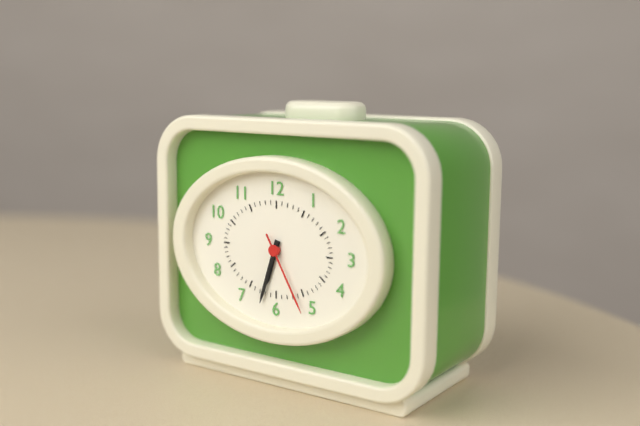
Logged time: 6,33,25
